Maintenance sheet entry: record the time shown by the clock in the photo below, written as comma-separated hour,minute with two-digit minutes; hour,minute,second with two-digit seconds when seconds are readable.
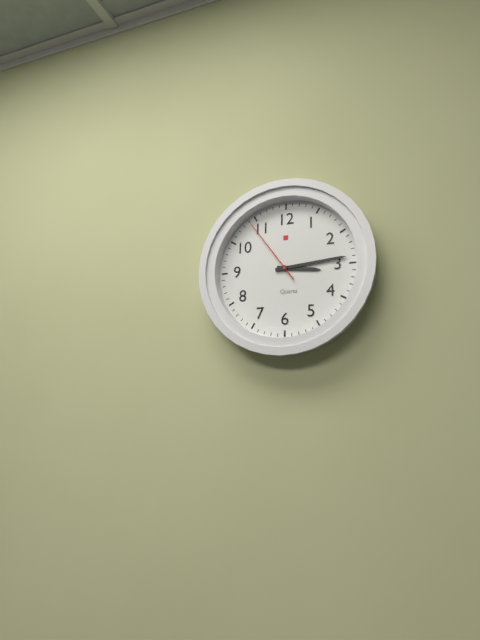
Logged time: 3,14,54
